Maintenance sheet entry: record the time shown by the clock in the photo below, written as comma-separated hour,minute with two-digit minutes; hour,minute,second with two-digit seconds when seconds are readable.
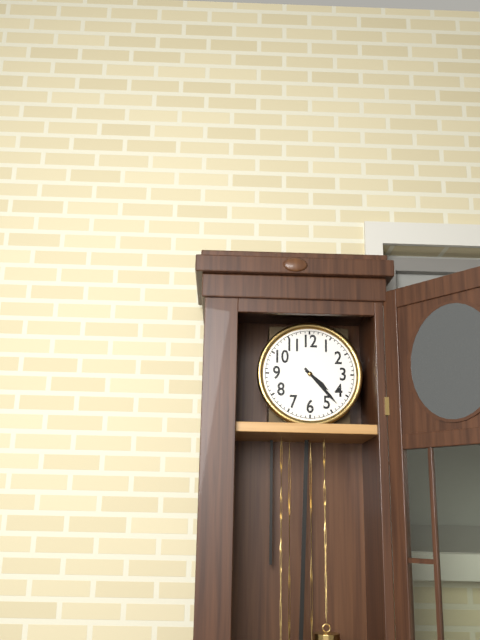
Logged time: 4,23
